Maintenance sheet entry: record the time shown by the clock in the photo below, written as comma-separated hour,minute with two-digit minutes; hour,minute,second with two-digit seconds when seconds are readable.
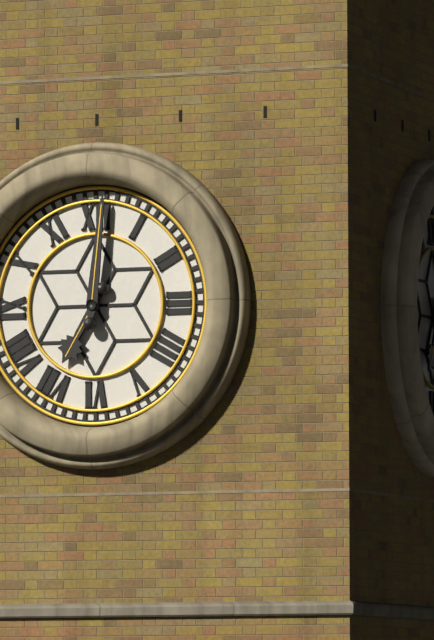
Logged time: 7,01
